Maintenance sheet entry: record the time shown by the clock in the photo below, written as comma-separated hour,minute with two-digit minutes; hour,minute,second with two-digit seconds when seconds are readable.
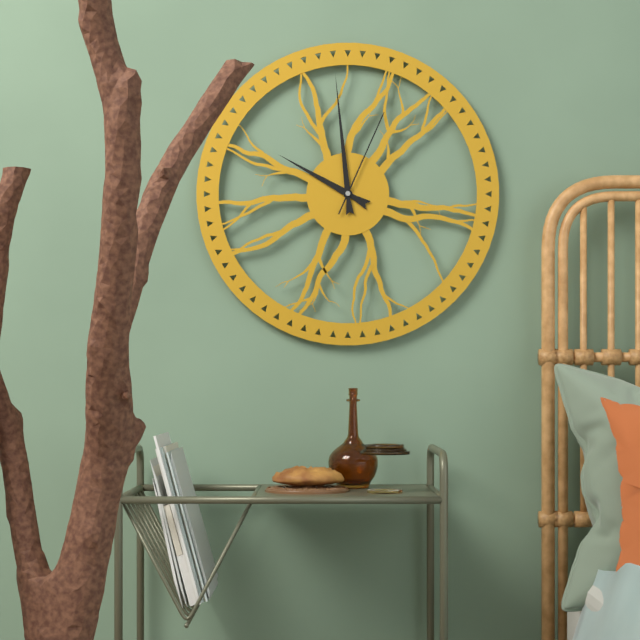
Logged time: 9,59,04
